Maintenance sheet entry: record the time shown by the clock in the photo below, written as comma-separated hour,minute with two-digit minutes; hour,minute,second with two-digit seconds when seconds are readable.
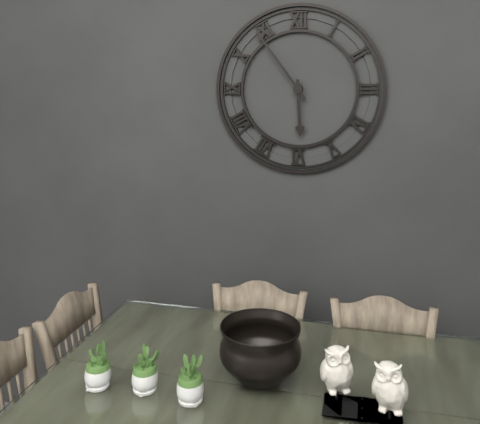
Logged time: 5,54
